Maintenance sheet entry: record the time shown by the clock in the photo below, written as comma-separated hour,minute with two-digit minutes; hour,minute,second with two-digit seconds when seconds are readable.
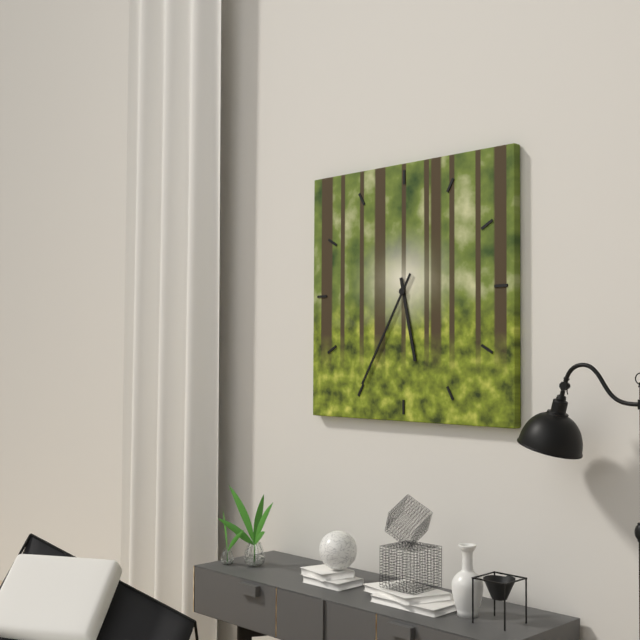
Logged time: 5,35
